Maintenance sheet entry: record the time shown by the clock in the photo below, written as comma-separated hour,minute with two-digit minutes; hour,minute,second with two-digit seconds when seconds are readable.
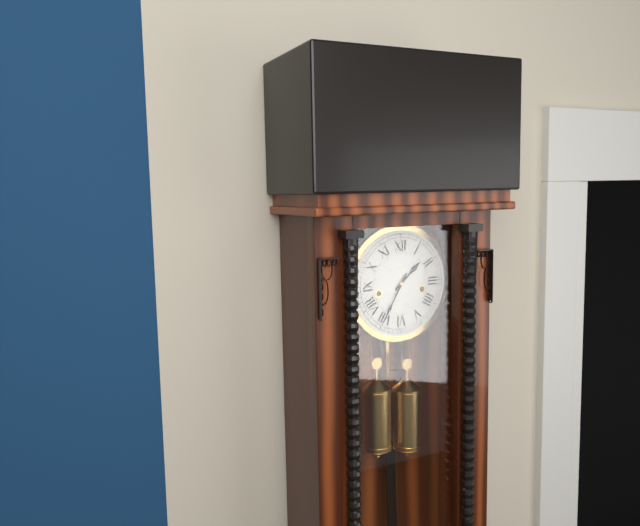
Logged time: 1,35
